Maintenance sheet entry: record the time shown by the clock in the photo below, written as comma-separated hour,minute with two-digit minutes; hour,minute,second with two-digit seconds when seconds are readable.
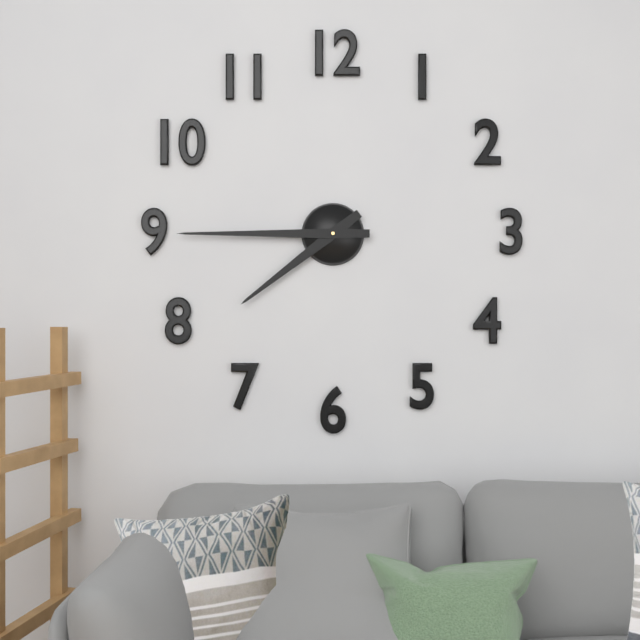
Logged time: 7,45
